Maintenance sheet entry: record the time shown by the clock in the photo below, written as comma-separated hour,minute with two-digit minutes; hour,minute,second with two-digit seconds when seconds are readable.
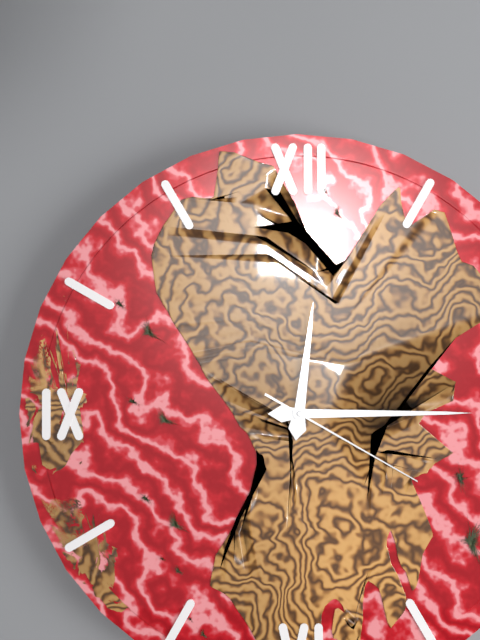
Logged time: 12,15,20
